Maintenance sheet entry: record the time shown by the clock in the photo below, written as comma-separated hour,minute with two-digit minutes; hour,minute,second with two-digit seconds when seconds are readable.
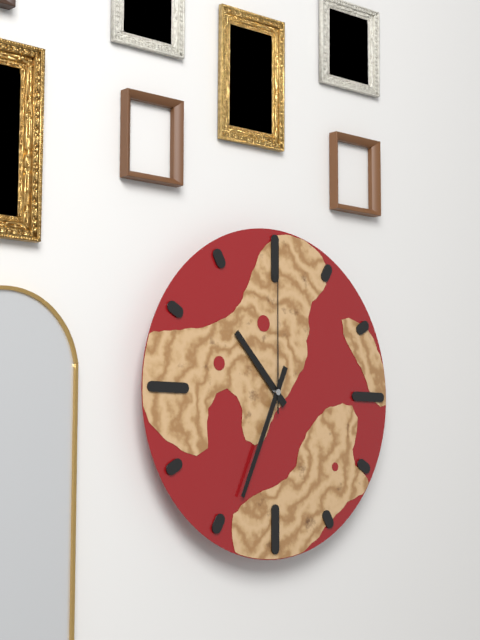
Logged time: 10,34,00
